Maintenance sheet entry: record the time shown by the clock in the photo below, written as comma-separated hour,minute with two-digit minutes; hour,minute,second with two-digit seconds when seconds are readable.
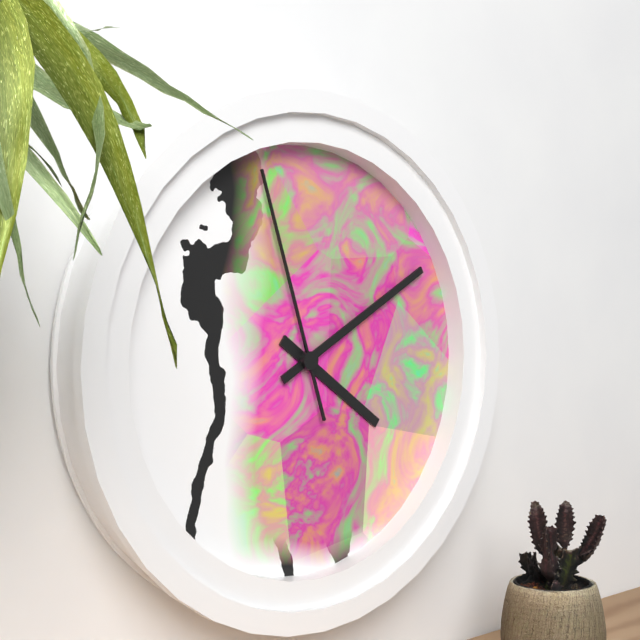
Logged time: 4,10,57
